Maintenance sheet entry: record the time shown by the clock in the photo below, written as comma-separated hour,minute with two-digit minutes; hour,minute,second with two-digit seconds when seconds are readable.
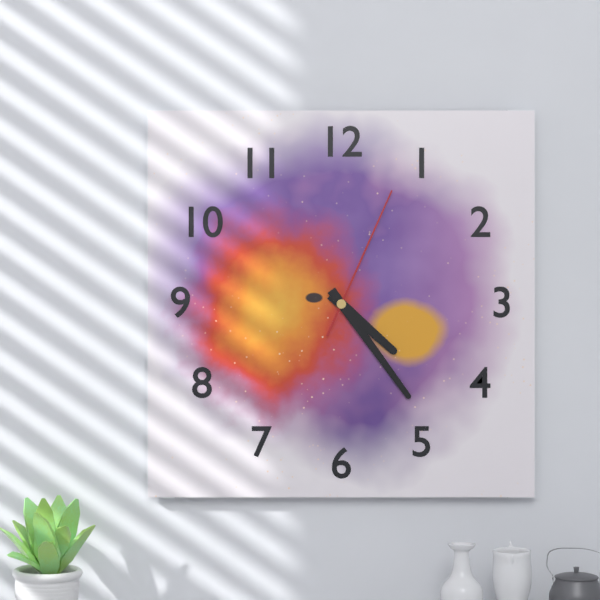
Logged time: 4,24,04
